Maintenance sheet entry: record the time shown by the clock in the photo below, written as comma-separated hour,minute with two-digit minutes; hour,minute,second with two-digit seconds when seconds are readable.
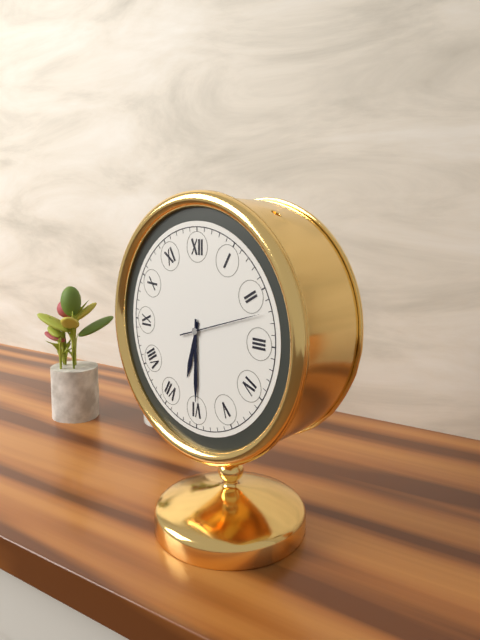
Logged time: 6,30,12
